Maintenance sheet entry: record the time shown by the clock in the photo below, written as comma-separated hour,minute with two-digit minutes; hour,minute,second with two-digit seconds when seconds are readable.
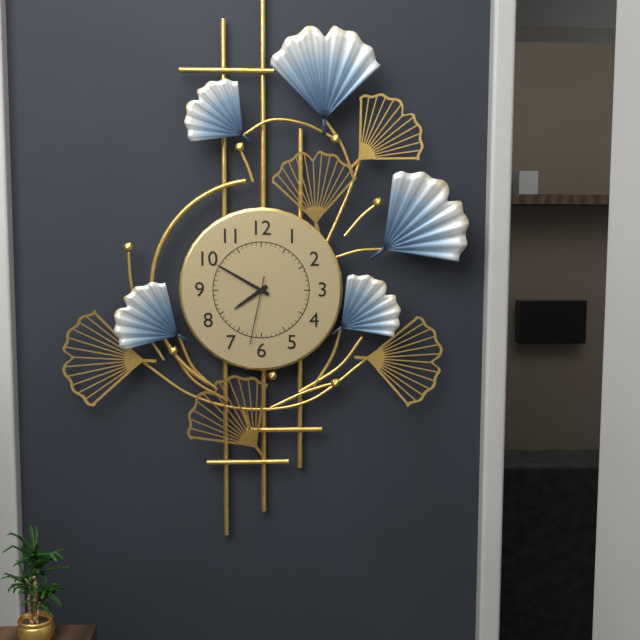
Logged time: 7,50,32
